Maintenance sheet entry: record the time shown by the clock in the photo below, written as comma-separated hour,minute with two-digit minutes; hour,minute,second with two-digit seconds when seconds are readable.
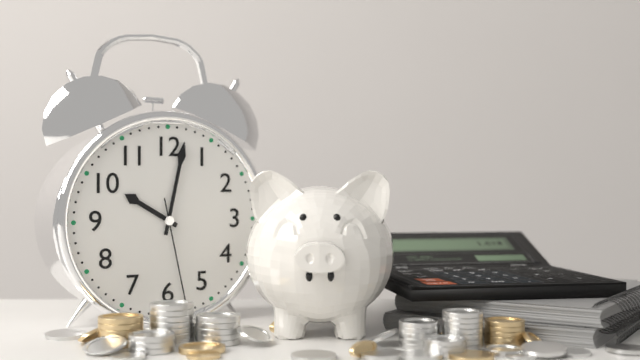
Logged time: 10,02,28
